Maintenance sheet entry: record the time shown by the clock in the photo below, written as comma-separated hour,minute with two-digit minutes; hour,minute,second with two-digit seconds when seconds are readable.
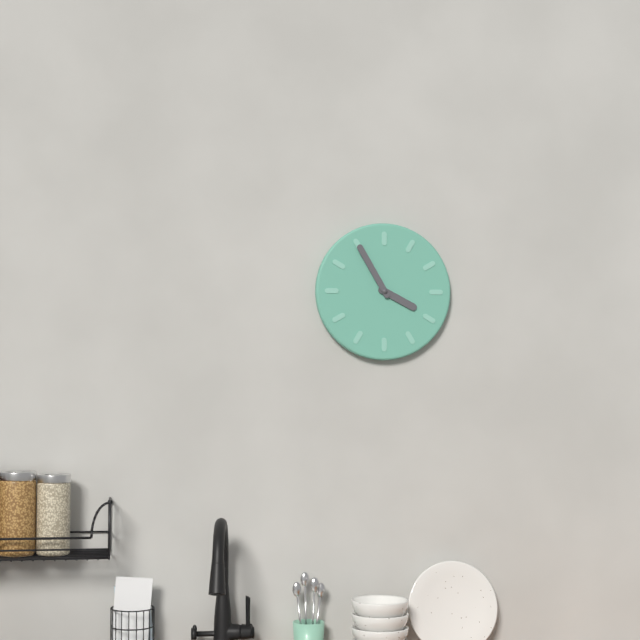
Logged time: 3,55
